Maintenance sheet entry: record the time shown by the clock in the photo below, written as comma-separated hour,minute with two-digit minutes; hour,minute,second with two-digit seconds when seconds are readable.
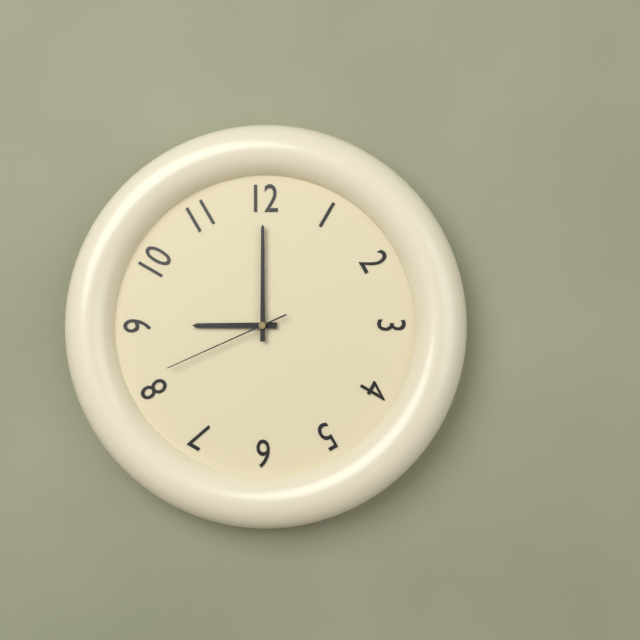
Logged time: 9,00,41
